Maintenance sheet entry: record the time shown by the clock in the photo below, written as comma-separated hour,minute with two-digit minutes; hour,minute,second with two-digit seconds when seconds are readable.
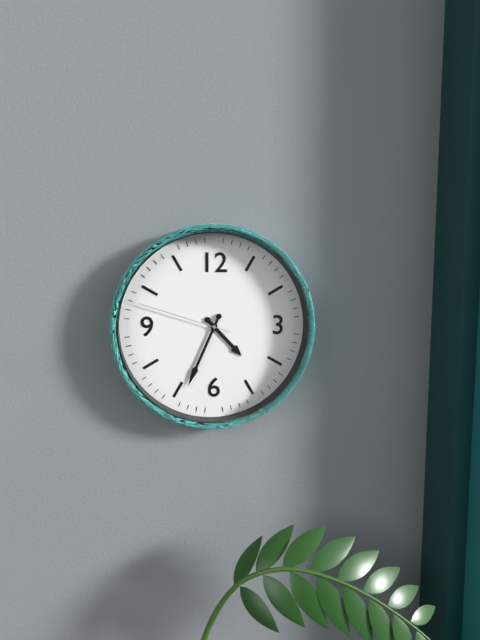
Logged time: 4,34,48
